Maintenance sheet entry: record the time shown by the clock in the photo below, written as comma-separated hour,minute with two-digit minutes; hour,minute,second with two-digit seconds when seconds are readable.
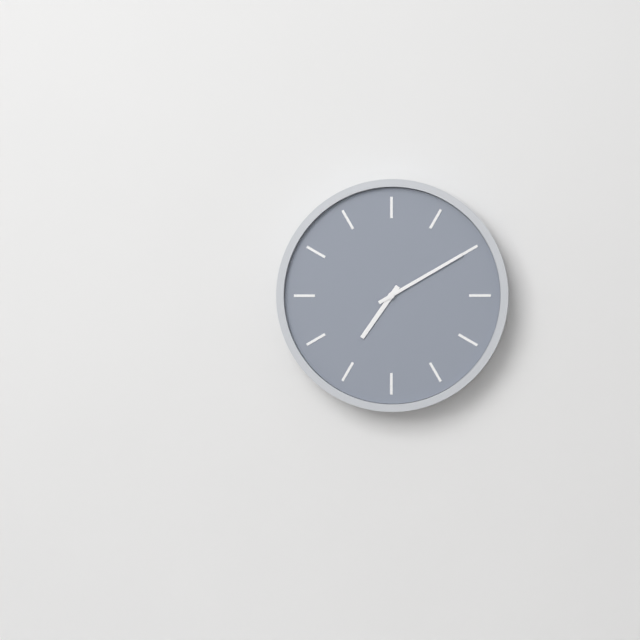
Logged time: 7,10
